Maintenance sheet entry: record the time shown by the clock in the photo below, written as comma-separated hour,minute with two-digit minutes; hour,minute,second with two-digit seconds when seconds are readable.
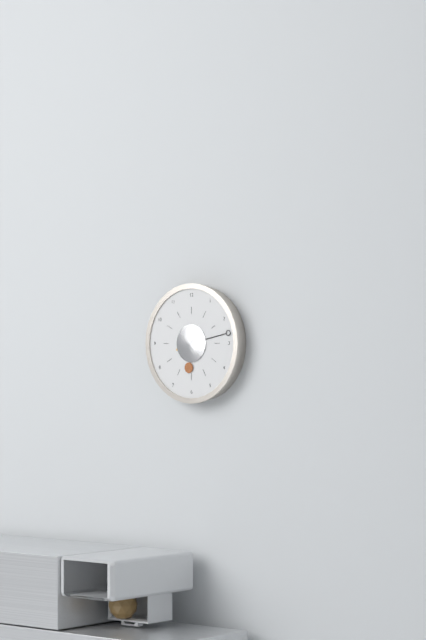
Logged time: 6,13
